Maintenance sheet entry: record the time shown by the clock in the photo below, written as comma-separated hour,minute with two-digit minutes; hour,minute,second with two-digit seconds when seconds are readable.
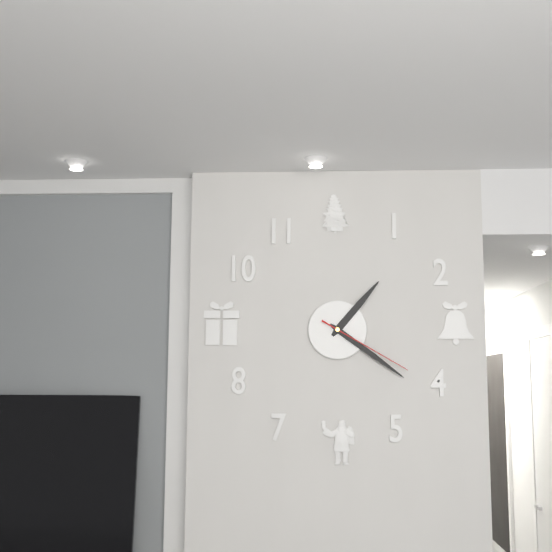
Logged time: 1,21,20
